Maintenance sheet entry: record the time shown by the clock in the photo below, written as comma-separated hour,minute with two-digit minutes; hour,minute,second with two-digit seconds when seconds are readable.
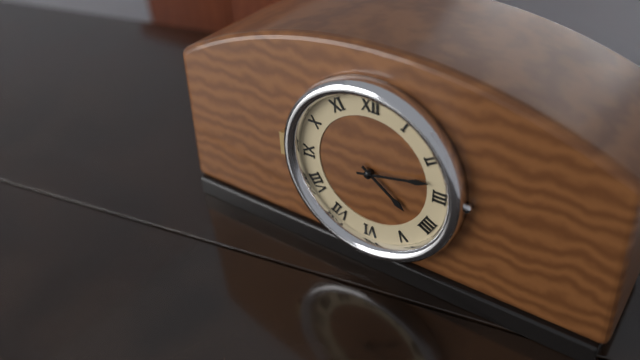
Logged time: 4,13
